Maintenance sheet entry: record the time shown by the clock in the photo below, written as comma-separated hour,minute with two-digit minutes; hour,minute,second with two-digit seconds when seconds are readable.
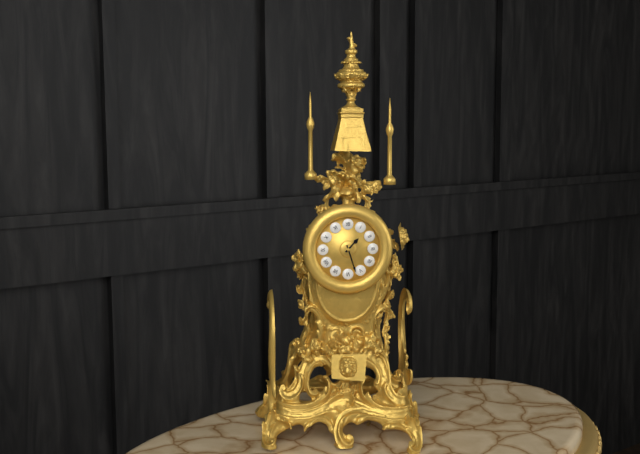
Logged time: 1,27
